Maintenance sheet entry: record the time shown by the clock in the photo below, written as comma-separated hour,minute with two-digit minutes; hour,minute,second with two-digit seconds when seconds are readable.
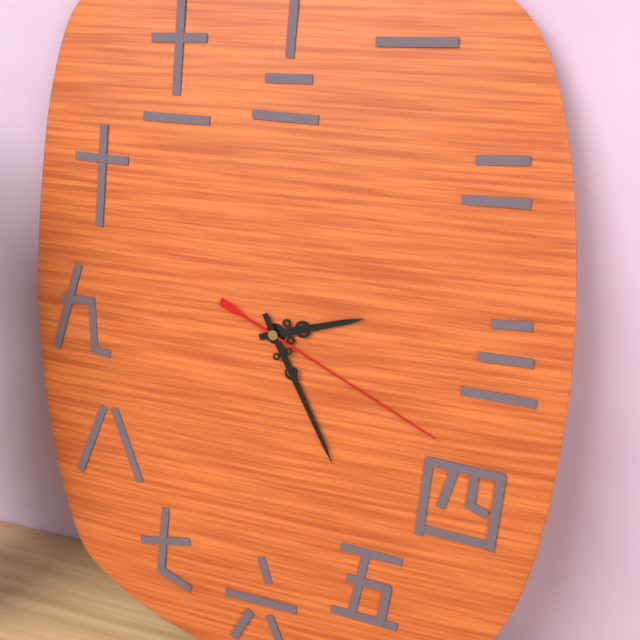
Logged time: 2,25,19
